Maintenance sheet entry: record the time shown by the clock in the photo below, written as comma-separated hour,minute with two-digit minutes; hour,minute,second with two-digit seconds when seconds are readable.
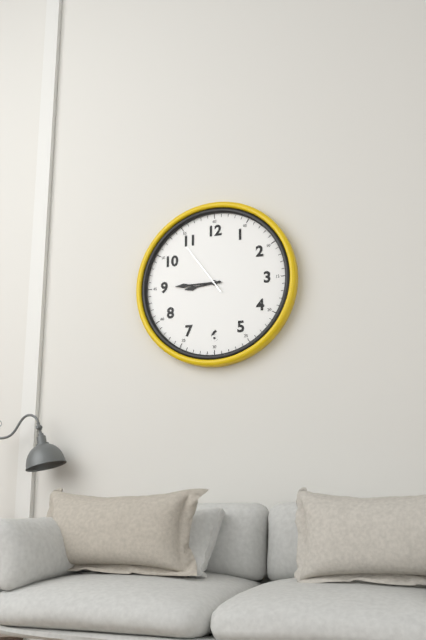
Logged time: 8,45,54
